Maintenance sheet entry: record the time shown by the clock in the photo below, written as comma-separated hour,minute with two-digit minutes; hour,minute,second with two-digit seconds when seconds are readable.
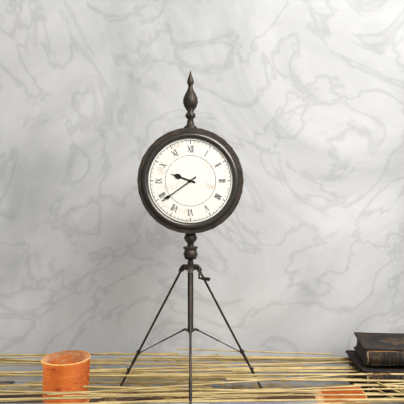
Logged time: 9,39
